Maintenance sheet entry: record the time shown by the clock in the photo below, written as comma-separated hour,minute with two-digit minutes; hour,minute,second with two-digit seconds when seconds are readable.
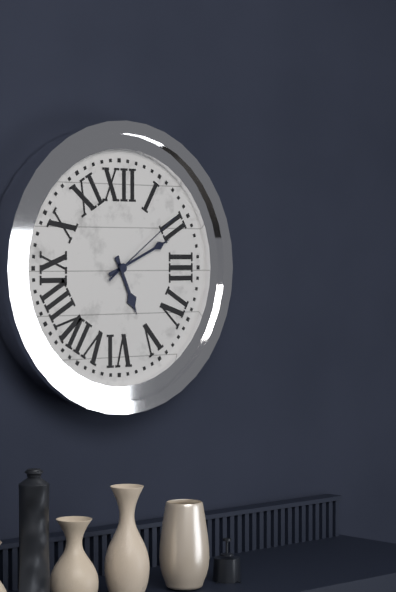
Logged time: 5,11,09
